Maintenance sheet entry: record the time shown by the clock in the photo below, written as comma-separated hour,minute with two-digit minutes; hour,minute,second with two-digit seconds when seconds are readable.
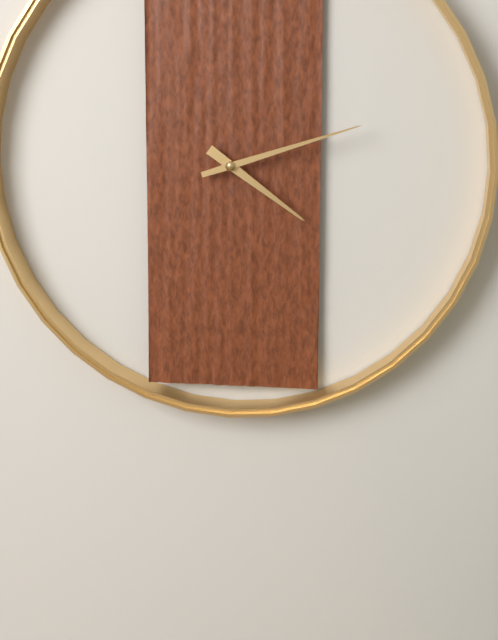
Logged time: 4,12
